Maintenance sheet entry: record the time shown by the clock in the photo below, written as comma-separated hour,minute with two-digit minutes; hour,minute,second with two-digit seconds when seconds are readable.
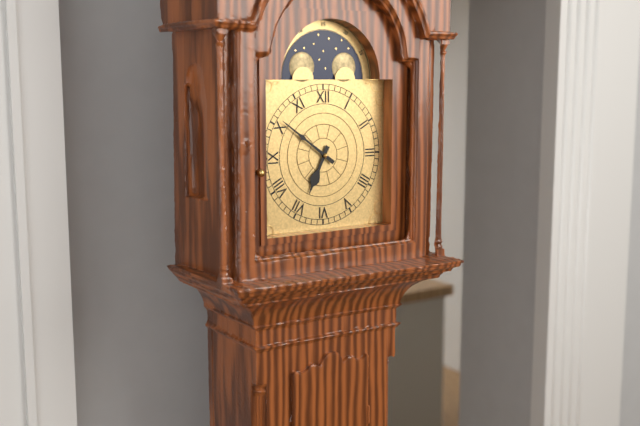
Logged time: 6,51
